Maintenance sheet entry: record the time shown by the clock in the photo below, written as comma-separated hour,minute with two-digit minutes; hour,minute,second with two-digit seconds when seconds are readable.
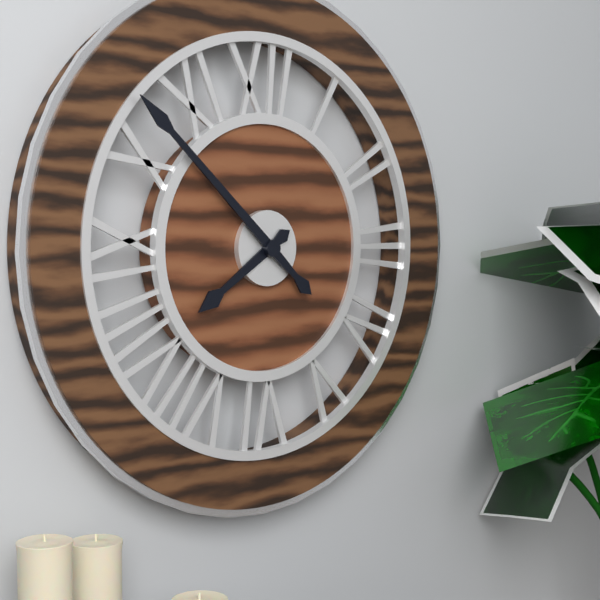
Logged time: 7,52
